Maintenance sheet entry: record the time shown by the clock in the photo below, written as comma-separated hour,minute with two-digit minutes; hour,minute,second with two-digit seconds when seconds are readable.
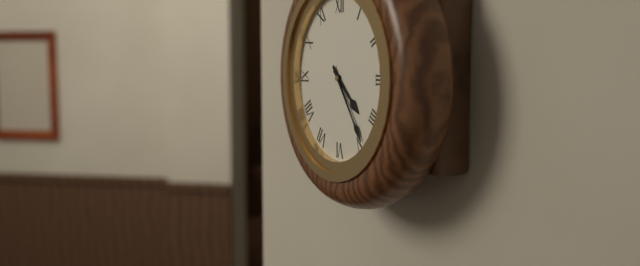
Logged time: 4,24
